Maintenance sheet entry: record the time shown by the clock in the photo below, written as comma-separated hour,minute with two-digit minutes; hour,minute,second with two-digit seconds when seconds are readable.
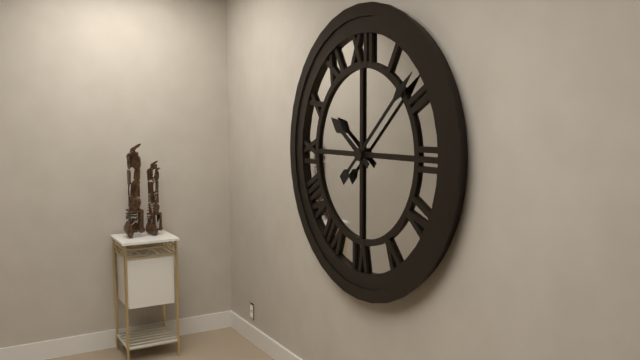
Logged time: 10,08
